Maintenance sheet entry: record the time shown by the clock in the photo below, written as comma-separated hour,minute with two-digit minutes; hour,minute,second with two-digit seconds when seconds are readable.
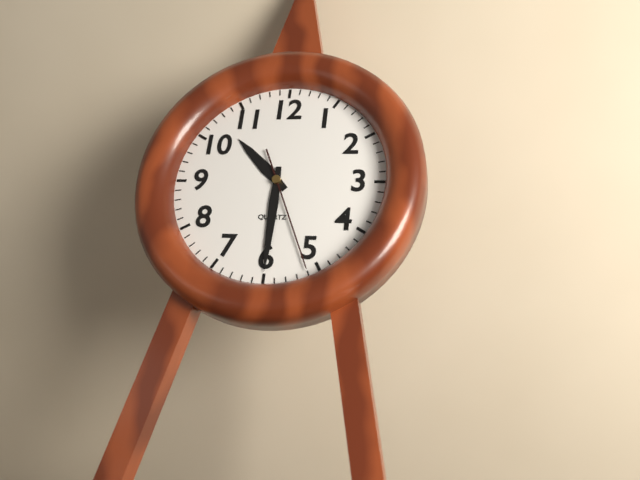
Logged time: 10,30,26
